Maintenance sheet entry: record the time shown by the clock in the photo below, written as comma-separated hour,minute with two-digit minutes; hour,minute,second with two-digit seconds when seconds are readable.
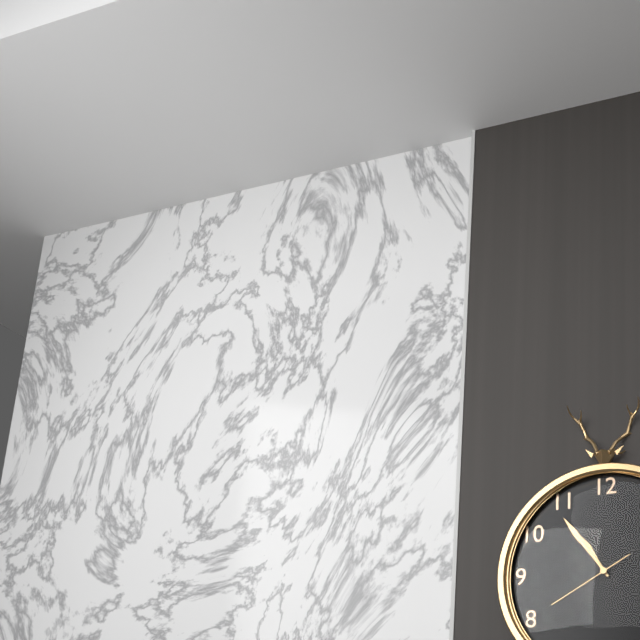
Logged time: 10,54,40
